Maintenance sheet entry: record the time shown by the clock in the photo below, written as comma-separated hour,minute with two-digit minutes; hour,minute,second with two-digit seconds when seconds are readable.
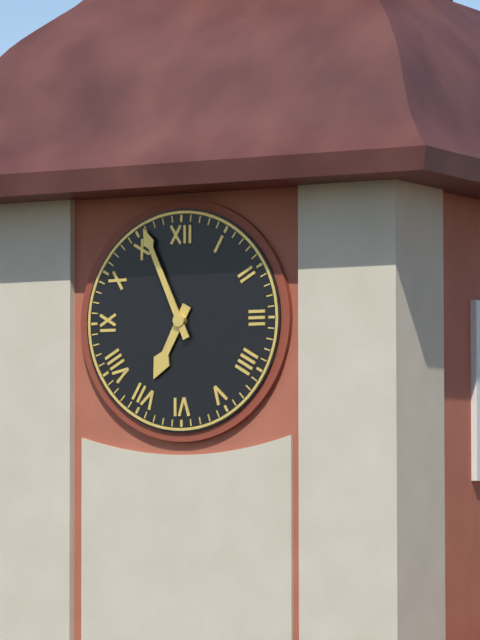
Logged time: 6,56
